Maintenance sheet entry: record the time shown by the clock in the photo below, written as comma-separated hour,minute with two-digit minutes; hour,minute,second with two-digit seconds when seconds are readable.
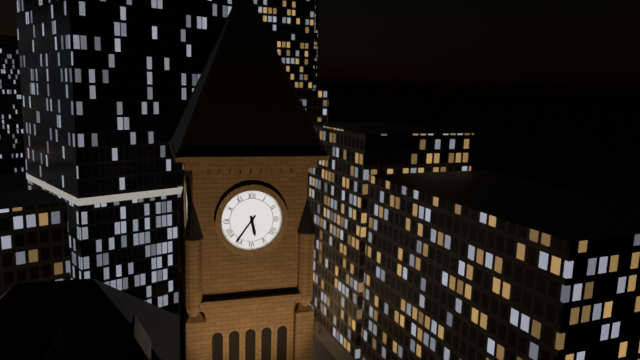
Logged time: 5,36
